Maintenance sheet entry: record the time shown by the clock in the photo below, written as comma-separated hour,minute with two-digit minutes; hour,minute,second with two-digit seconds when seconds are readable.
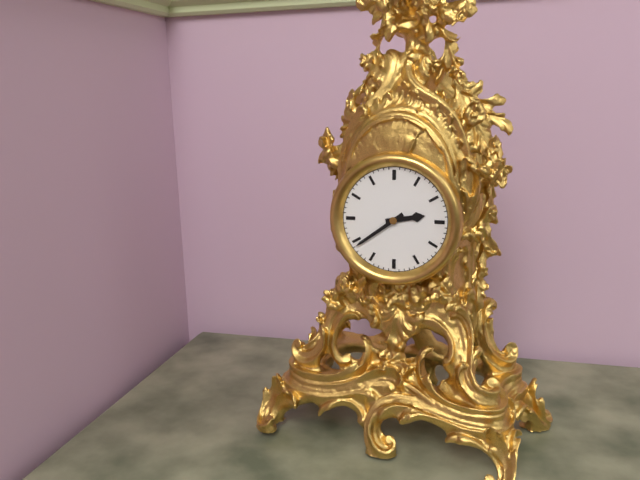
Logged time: 2,39
